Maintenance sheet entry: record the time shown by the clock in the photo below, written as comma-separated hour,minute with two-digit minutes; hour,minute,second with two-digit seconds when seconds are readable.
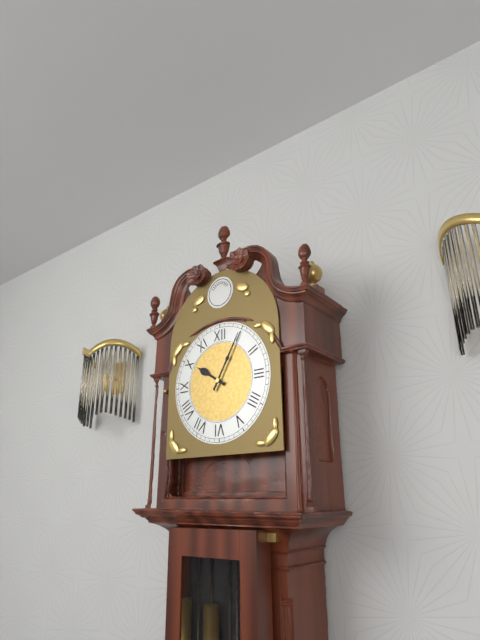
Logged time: 10,05
